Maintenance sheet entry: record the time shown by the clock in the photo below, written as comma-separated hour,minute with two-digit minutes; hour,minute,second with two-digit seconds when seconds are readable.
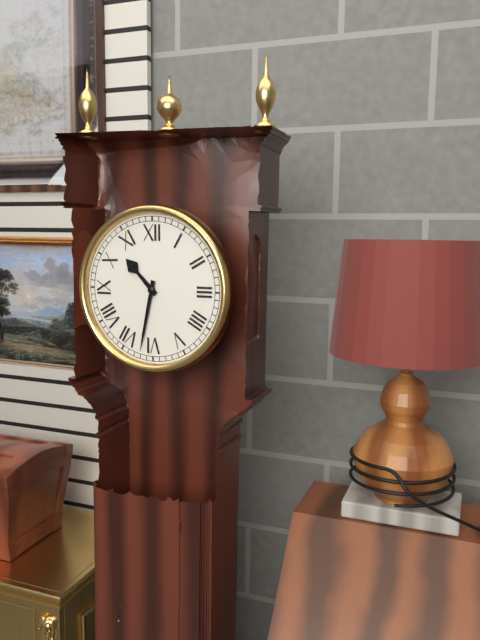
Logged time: 10,32
